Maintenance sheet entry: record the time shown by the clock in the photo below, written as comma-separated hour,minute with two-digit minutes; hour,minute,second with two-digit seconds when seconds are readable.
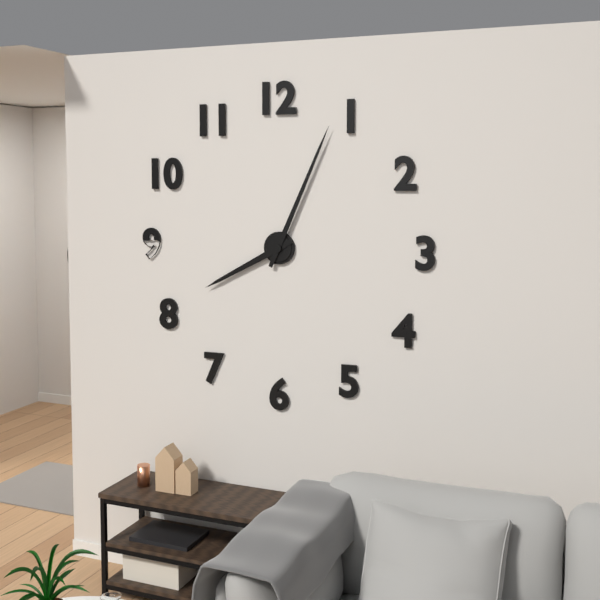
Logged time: 8,04
